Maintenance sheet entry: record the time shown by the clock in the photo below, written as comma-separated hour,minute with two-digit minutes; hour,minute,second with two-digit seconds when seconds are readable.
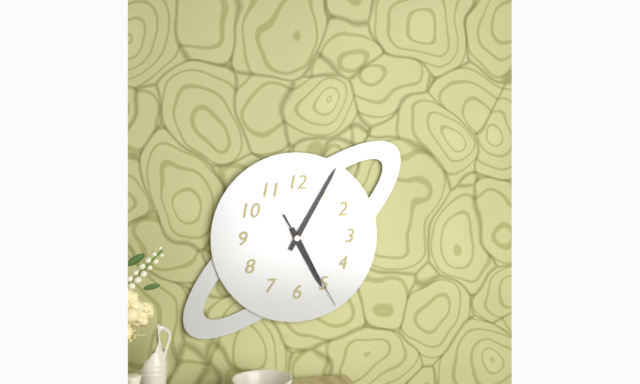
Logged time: 5,05,25
